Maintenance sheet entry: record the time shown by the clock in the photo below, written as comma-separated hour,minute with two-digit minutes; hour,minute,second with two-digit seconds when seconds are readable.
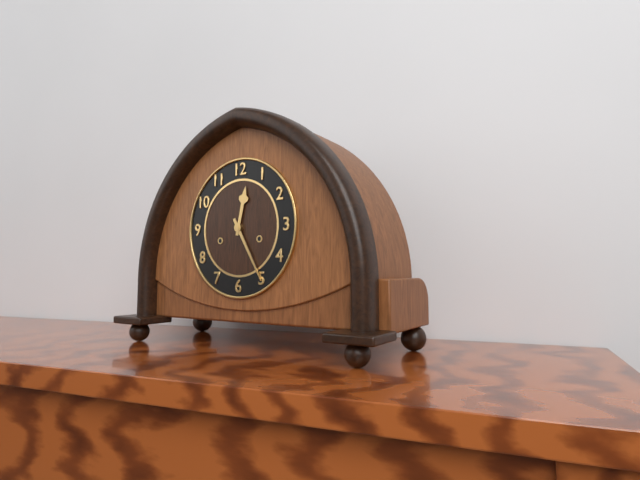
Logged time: 12,25
